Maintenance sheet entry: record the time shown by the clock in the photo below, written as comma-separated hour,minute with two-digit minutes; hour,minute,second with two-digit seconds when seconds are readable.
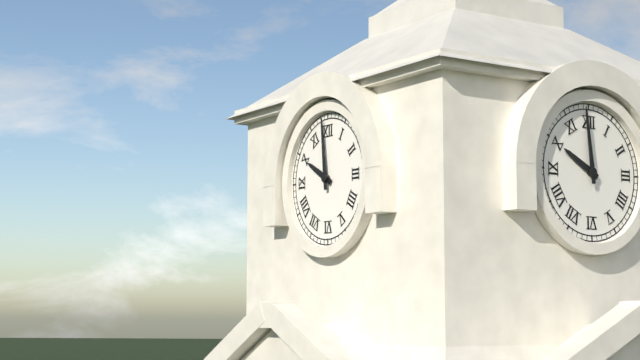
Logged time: 9,59
